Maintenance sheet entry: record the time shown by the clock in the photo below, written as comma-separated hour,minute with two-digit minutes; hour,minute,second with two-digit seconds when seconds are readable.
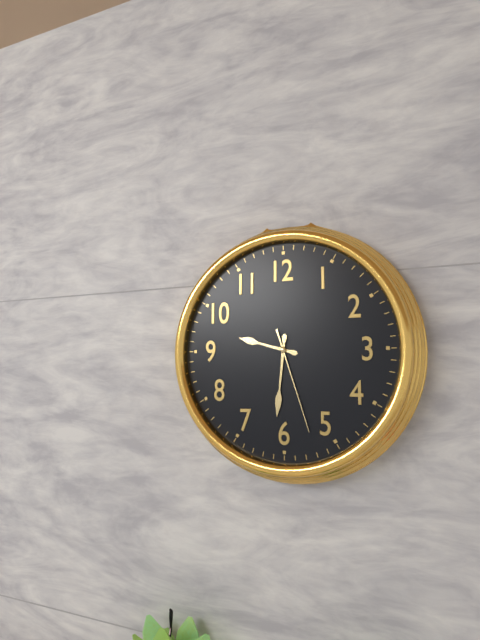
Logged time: 9,31,27
